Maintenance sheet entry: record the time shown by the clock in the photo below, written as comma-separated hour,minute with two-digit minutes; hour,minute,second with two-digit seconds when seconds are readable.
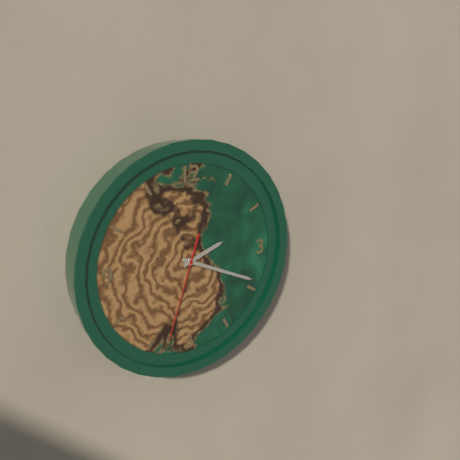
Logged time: 2,19,33
